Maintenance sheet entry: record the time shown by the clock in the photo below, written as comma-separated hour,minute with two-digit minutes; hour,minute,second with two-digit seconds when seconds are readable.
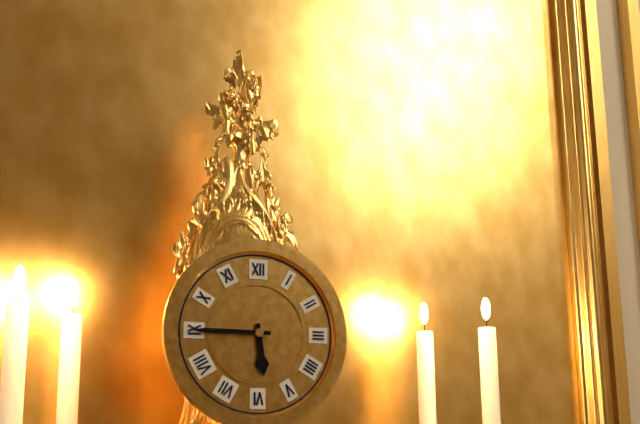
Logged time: 5,45
